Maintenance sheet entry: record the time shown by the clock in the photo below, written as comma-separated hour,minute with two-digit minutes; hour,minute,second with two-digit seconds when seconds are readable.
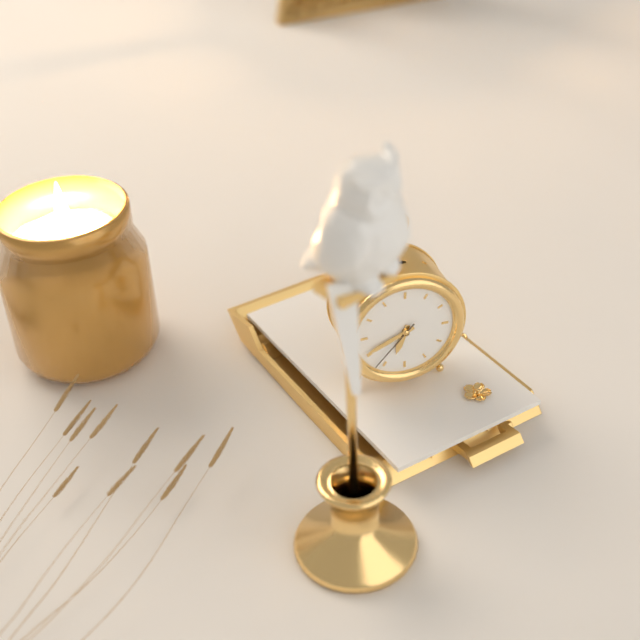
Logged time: 6,41,37
